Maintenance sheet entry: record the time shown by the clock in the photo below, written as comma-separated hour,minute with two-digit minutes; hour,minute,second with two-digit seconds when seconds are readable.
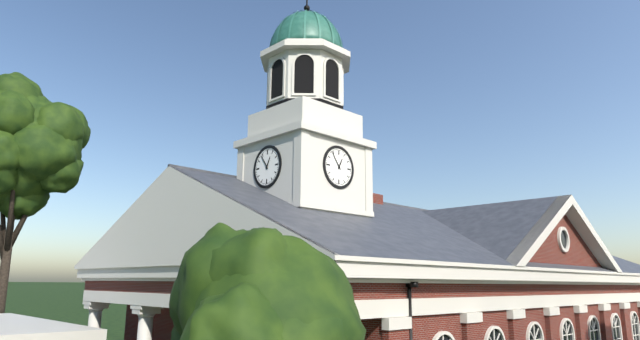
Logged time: 12,54
